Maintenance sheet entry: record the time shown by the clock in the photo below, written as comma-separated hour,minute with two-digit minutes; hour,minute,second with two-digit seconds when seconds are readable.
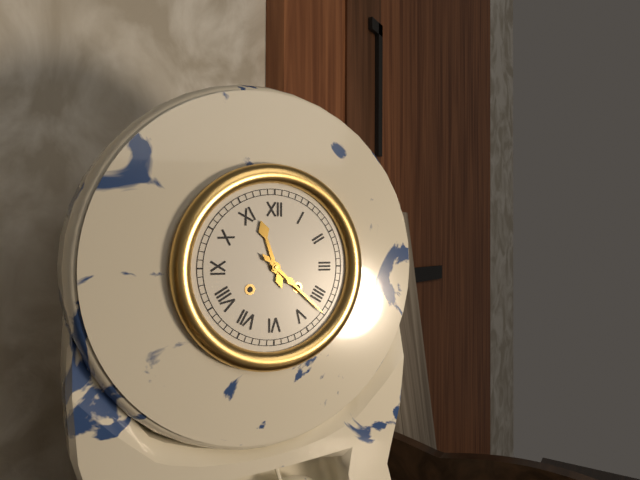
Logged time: 11,22
